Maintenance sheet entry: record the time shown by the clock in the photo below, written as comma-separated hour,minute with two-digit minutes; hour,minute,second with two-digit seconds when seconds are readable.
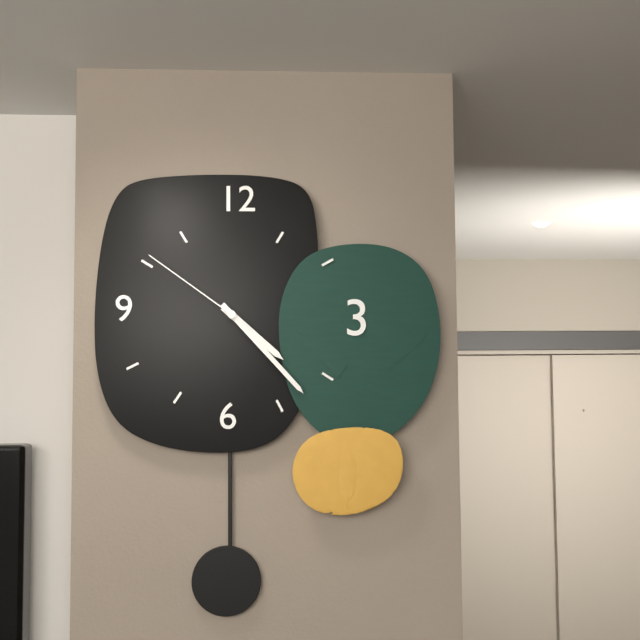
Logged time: 4,23,51
